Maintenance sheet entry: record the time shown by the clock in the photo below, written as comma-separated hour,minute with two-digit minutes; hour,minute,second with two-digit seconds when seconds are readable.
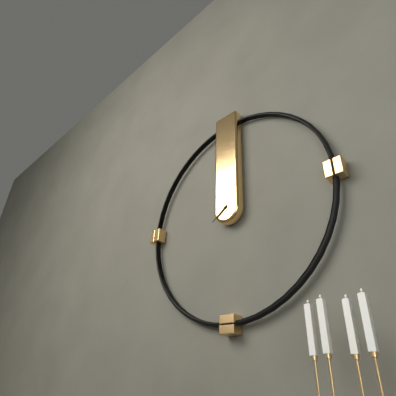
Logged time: 7,39
